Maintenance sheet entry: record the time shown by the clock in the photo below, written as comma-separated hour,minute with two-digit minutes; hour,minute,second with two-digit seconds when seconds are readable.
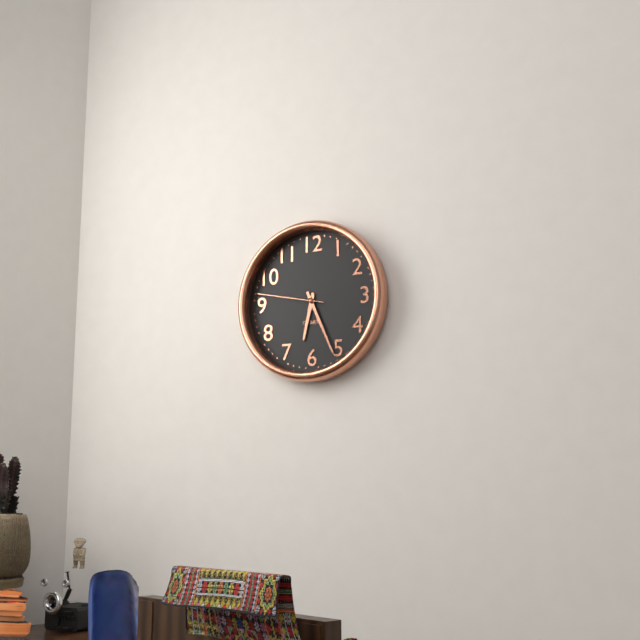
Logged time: 6,26,47
